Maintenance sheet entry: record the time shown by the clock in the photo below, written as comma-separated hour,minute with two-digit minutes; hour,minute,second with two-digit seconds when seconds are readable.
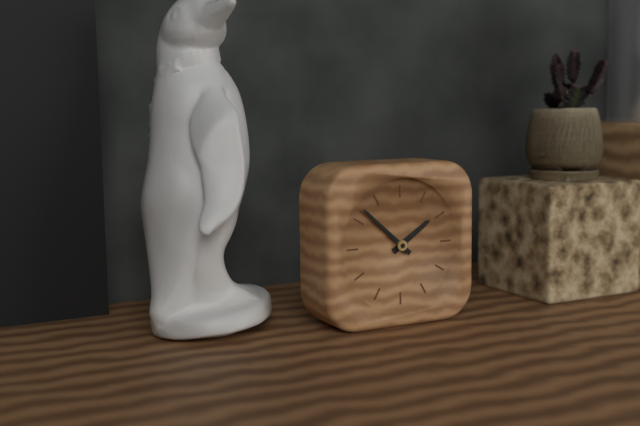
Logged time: 1,52
